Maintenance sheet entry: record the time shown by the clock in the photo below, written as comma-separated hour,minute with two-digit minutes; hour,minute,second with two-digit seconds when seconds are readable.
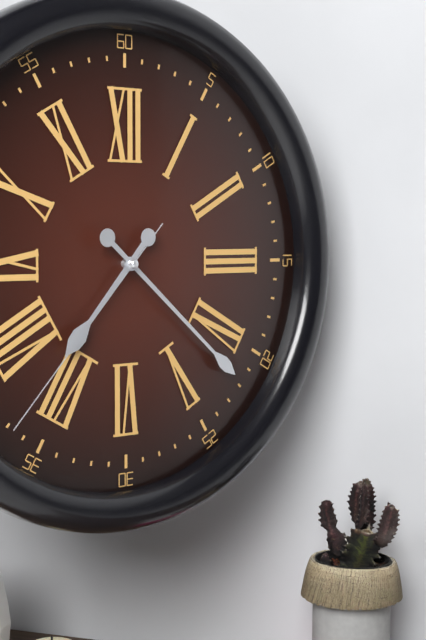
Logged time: 7,22,37
